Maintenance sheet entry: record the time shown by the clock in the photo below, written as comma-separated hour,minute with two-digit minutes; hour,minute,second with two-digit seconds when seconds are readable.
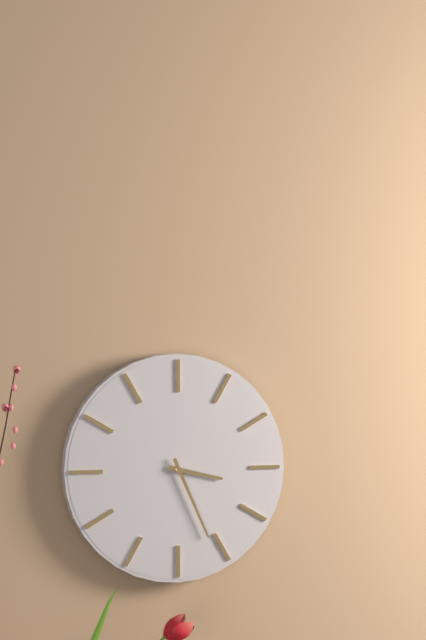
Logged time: 3,26
